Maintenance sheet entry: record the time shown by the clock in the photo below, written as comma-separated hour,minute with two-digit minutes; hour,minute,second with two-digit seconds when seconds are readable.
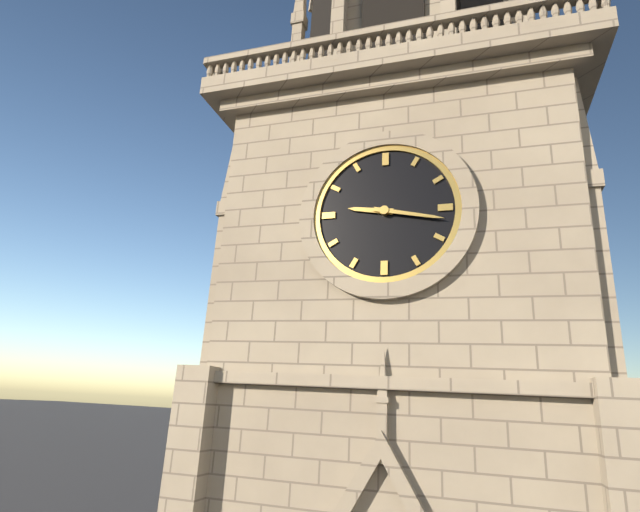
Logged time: 9,17
